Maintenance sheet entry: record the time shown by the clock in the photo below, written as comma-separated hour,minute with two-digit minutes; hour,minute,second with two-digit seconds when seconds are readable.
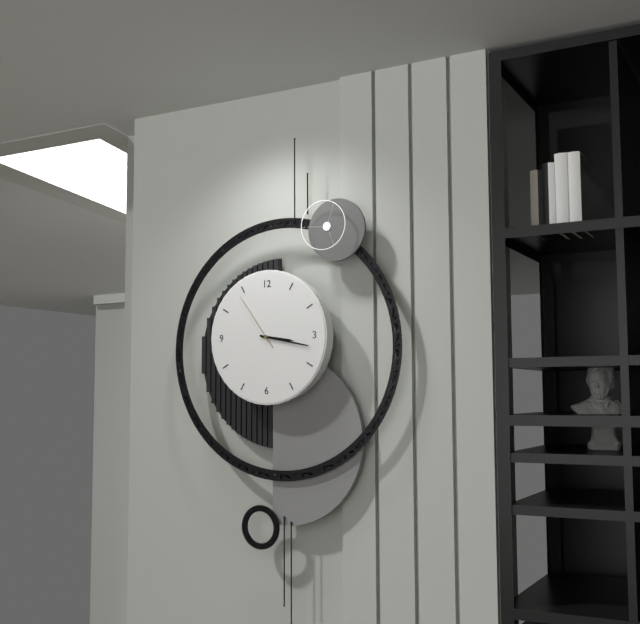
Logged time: 3,17,54
